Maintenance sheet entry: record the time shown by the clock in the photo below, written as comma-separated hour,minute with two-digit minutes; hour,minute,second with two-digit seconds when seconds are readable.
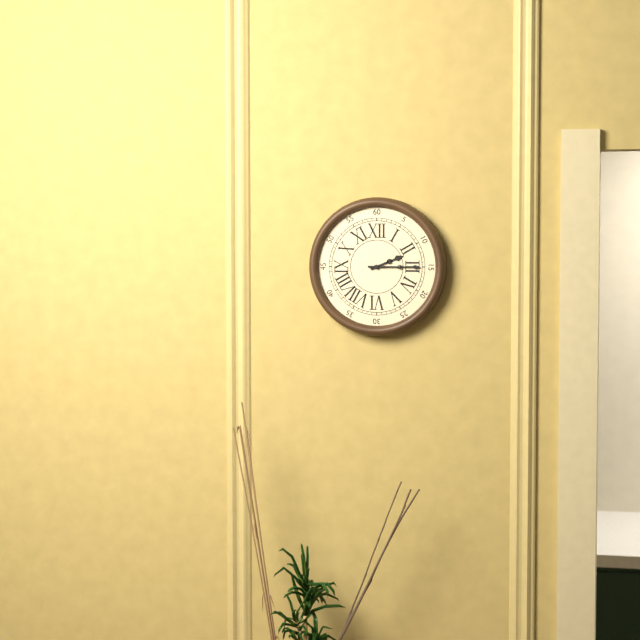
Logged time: 2,15
